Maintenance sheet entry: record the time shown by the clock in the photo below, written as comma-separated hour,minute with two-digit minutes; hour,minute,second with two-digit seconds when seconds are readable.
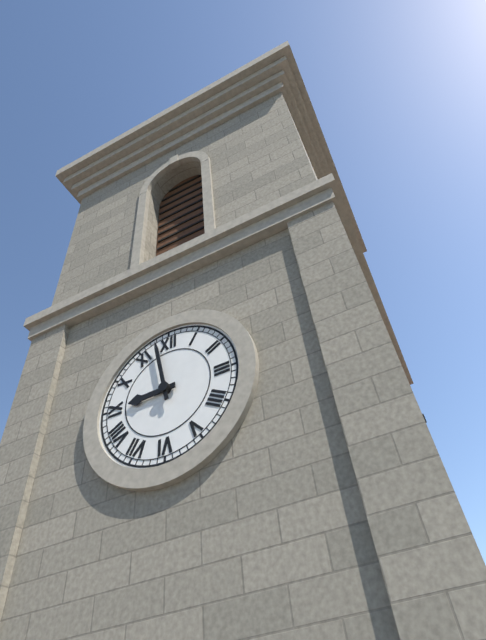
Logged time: 8,58
